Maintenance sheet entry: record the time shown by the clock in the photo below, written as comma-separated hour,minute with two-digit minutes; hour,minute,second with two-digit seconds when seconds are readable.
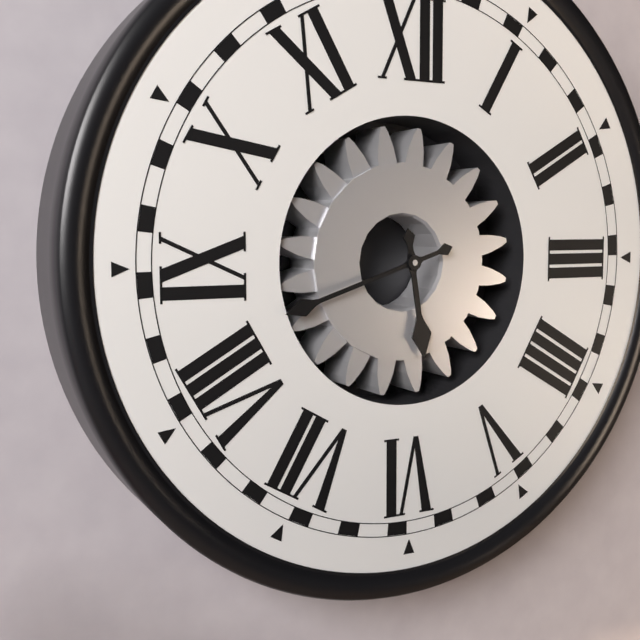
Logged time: 5,42
